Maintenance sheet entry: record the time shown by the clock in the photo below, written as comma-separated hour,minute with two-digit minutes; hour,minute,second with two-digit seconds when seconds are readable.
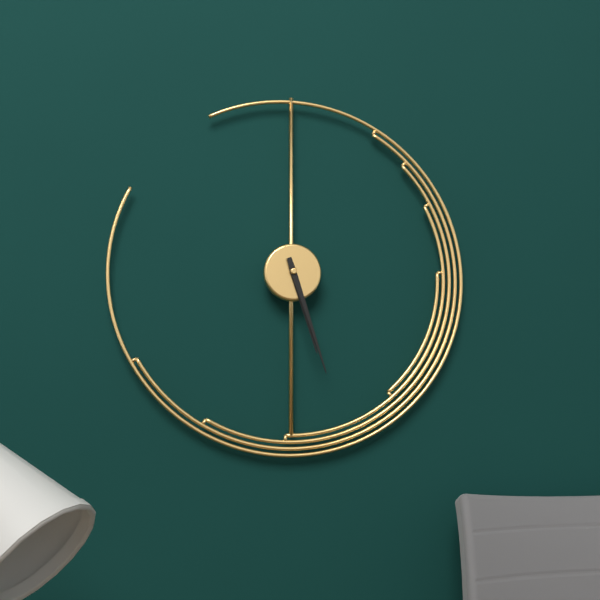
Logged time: 5,27
